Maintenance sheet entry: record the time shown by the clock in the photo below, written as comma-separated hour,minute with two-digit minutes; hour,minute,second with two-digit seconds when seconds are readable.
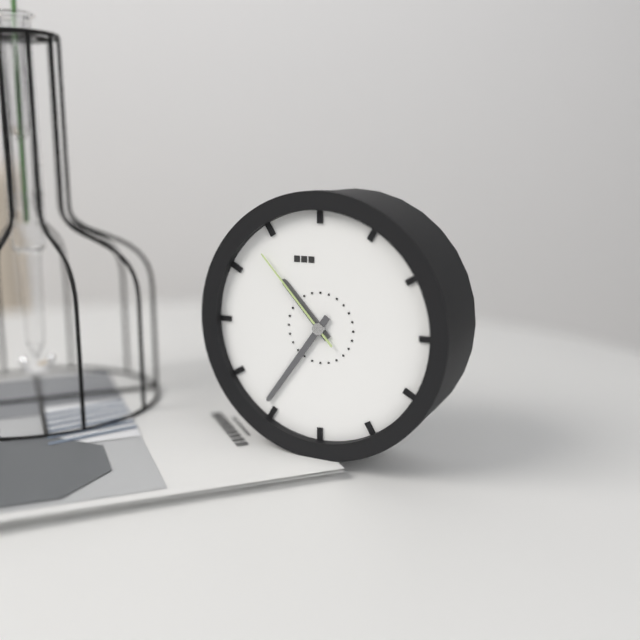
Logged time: 10,36,53
